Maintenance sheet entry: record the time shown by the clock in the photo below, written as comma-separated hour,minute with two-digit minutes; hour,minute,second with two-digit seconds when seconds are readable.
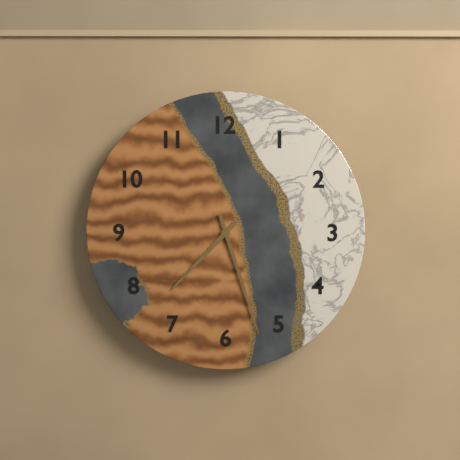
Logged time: 7,27
